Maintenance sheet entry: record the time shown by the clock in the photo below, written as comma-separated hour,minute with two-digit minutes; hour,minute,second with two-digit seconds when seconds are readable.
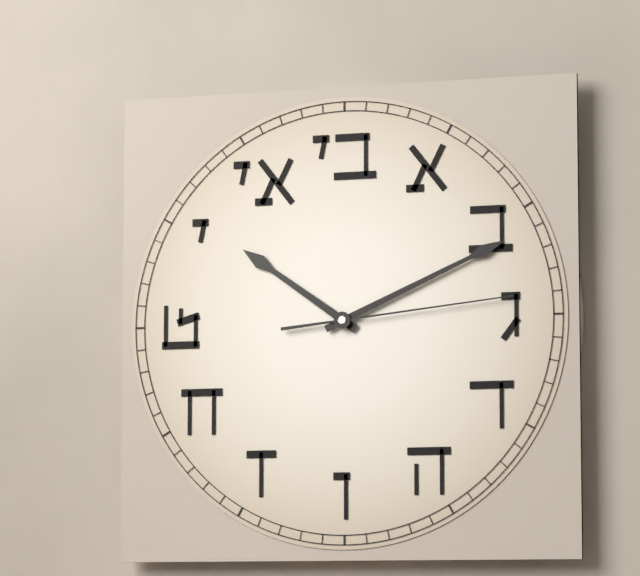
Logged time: 10,11,14
